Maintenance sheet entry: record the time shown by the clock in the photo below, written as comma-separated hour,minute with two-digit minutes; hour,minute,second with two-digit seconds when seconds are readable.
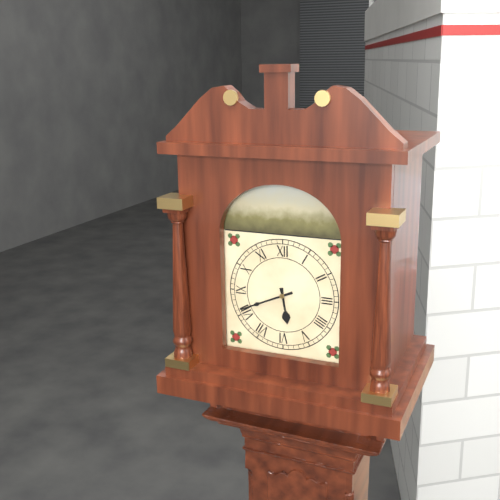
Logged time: 5,41
